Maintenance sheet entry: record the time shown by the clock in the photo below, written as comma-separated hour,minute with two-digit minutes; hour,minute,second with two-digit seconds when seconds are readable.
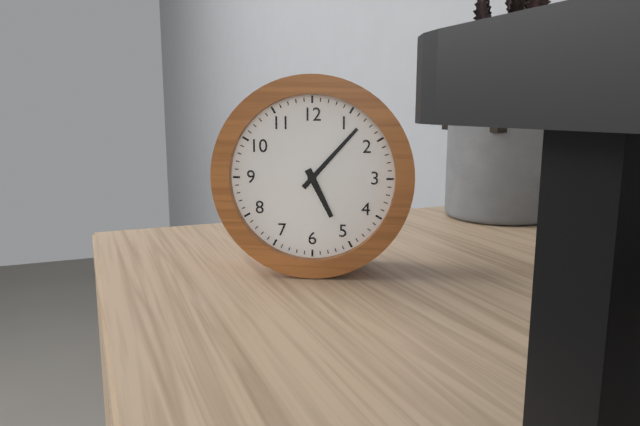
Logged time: 5,07
